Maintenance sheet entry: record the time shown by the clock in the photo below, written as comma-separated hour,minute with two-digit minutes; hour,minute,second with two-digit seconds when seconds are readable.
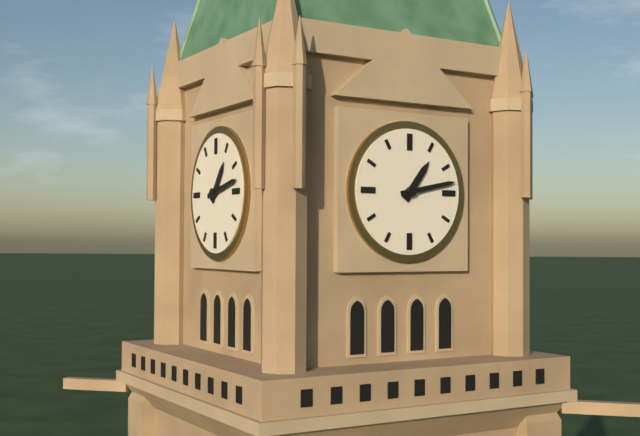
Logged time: 1,13
